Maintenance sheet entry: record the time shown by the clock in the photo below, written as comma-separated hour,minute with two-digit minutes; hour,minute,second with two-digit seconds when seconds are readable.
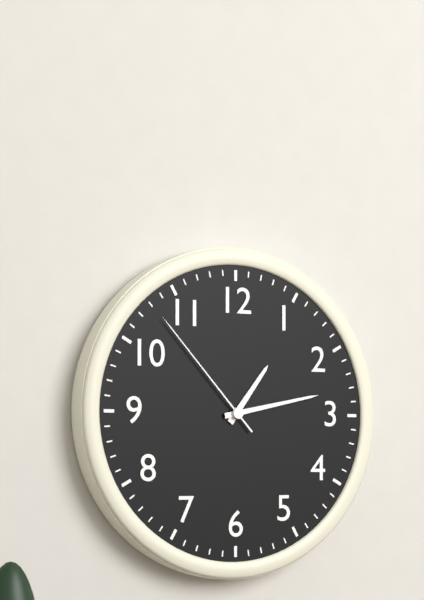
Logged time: 1,13,53
